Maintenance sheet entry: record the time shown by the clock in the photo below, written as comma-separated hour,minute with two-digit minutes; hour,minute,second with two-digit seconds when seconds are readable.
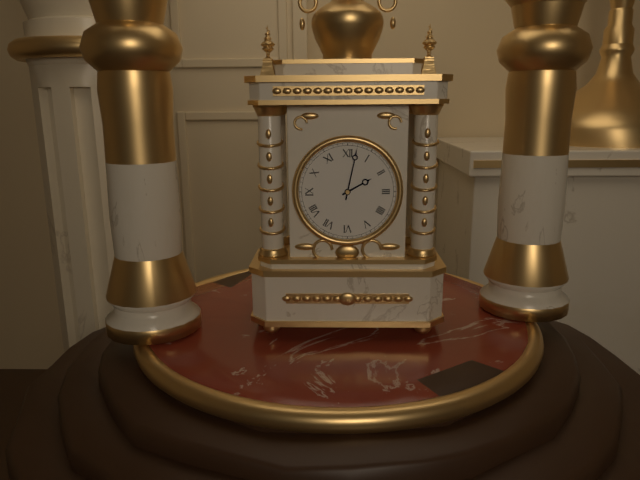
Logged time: 2,02
